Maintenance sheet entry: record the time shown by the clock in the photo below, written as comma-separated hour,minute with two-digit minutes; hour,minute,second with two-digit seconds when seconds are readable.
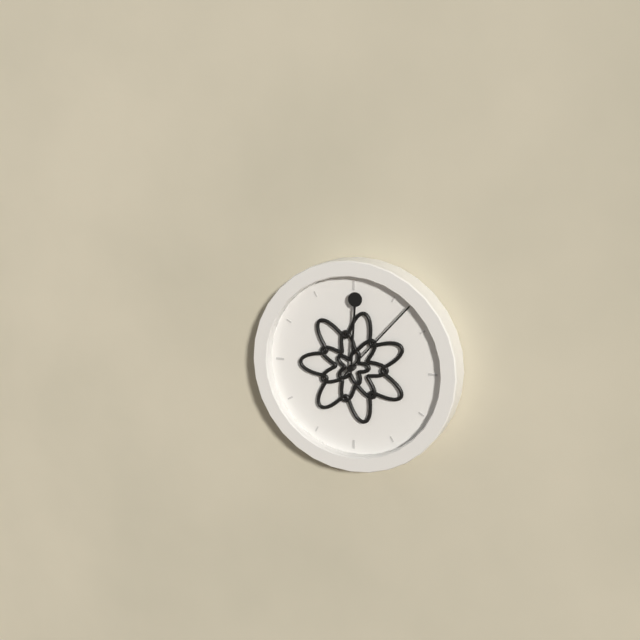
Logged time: 12,07
